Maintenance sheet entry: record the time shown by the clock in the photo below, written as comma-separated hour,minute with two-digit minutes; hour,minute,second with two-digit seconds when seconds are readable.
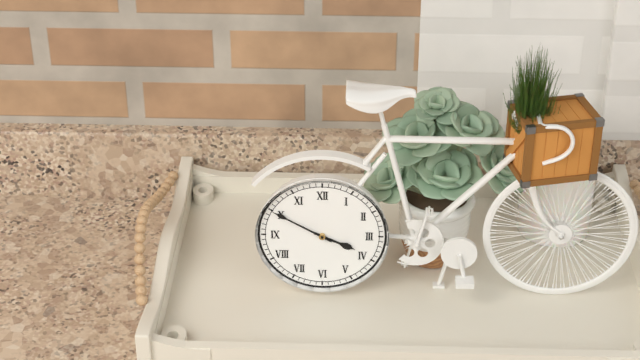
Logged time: 3,50
